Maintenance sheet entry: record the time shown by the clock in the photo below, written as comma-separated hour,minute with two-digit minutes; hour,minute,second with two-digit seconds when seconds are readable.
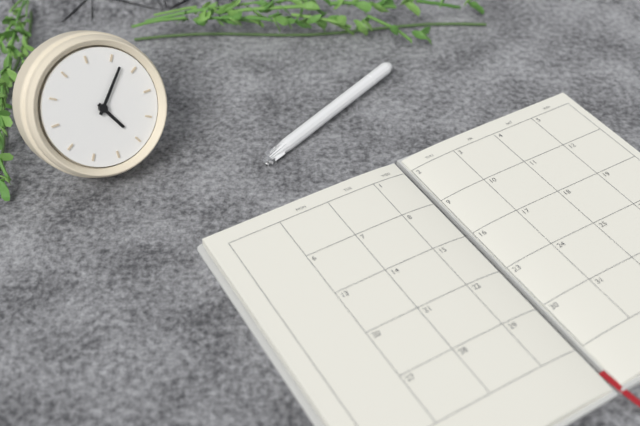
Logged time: 4,02
